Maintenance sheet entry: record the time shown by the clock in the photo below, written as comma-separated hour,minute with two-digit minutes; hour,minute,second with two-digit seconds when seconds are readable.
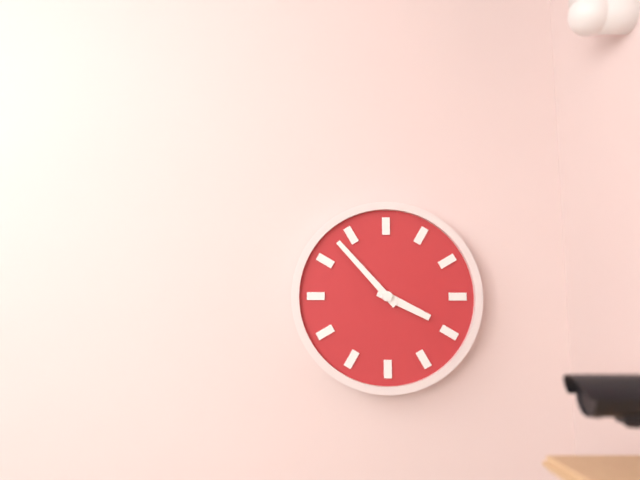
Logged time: 3,53
